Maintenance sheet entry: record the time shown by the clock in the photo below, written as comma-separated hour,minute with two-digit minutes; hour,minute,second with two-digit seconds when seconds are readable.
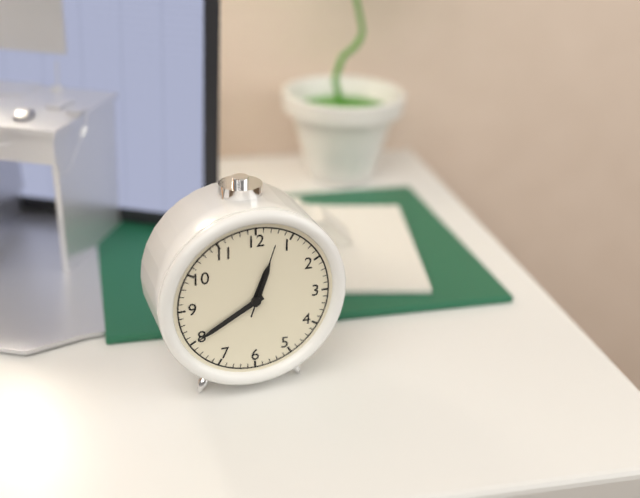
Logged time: 12,40,03
